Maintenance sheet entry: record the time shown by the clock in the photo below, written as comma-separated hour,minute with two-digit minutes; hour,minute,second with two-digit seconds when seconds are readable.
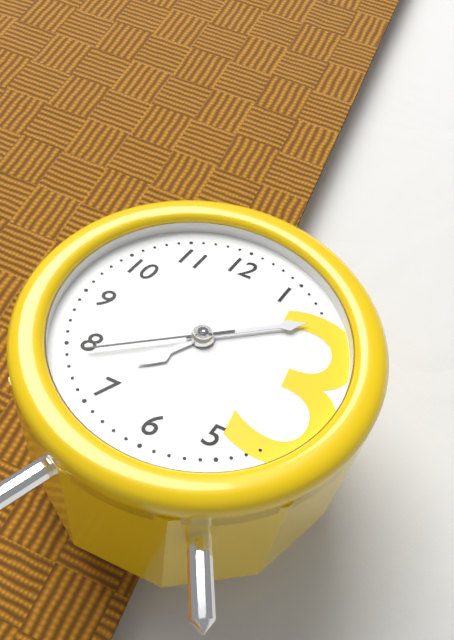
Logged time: 7,09,39
